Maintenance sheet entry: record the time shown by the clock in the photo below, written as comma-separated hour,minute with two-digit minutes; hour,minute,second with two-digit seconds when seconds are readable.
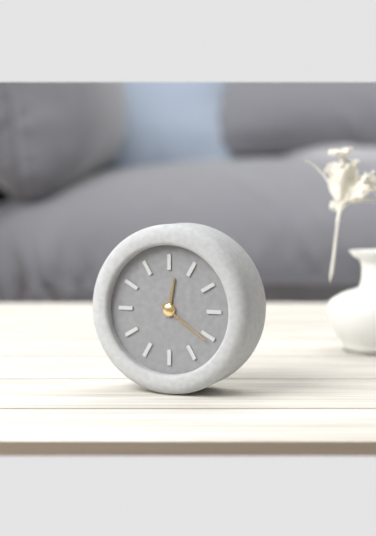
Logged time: 12,21
